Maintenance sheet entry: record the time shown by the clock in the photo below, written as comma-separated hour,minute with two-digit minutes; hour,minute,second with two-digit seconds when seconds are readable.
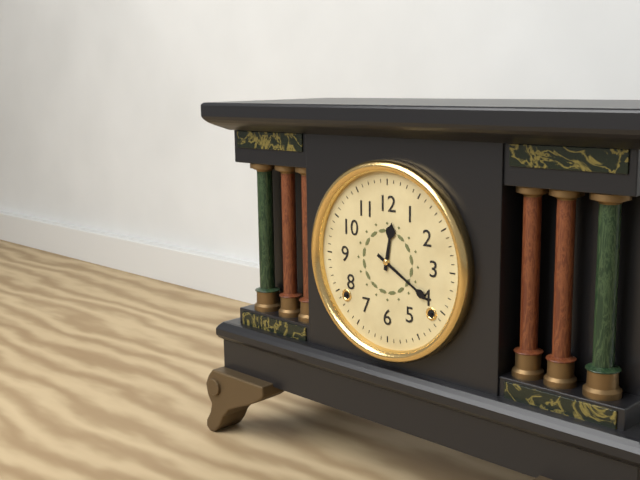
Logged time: 12,20
